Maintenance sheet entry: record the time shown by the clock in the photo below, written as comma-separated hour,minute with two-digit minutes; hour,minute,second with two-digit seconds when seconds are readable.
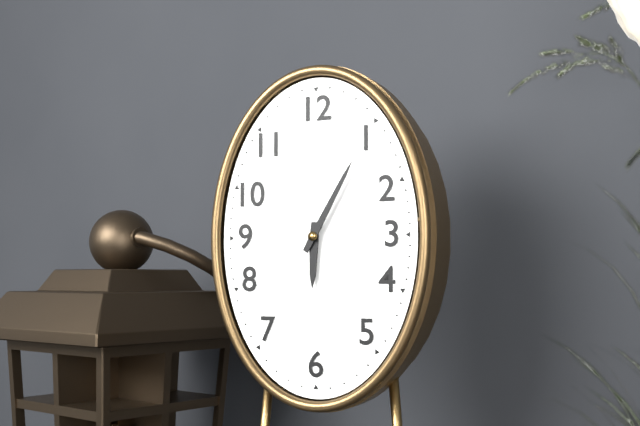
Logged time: 6,05
